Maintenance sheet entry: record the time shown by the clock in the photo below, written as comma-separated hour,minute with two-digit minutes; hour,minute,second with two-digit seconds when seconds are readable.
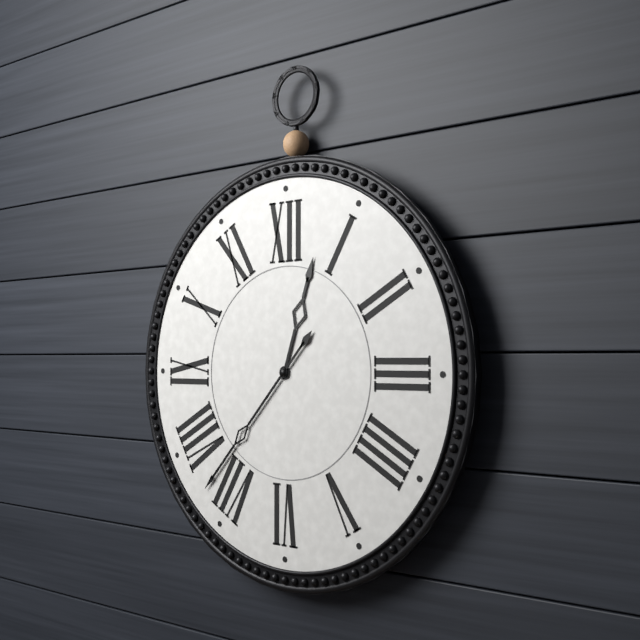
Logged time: 12,37
